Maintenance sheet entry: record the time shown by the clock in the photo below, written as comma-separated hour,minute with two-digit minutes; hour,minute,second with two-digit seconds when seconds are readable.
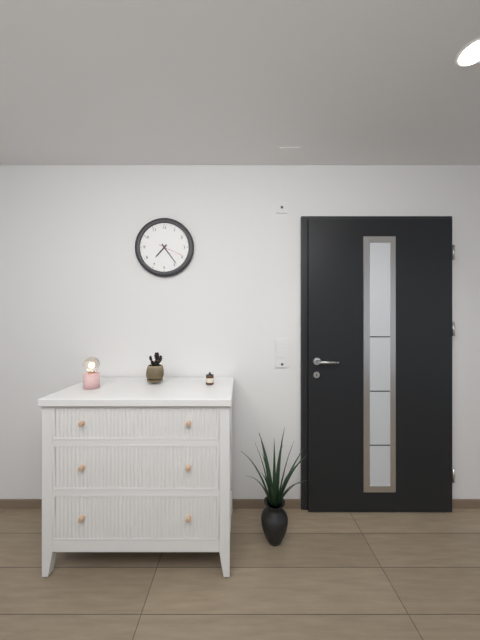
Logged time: 7,24
